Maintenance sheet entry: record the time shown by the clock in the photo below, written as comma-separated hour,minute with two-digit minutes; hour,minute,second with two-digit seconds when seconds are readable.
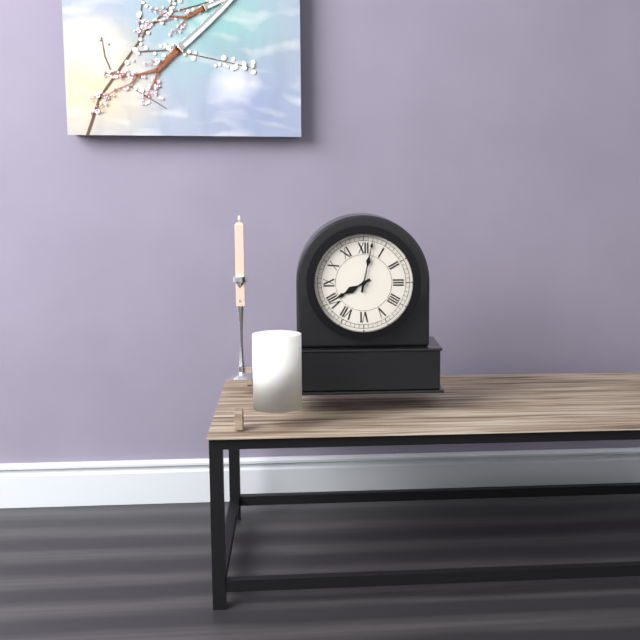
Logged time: 8,02
